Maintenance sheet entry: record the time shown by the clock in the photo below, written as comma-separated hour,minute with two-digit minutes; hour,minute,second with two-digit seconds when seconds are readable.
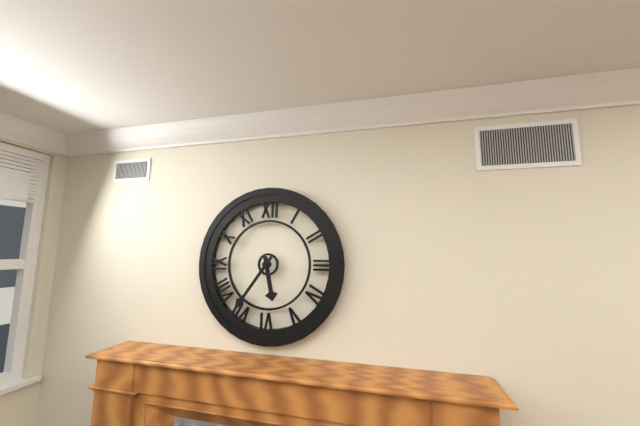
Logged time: 5,36
